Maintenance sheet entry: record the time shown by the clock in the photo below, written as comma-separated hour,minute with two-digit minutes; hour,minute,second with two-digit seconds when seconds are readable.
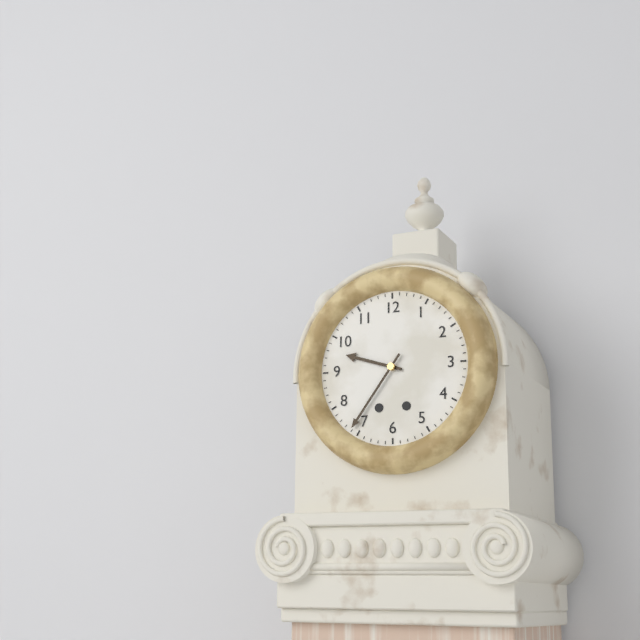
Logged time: 9,36
